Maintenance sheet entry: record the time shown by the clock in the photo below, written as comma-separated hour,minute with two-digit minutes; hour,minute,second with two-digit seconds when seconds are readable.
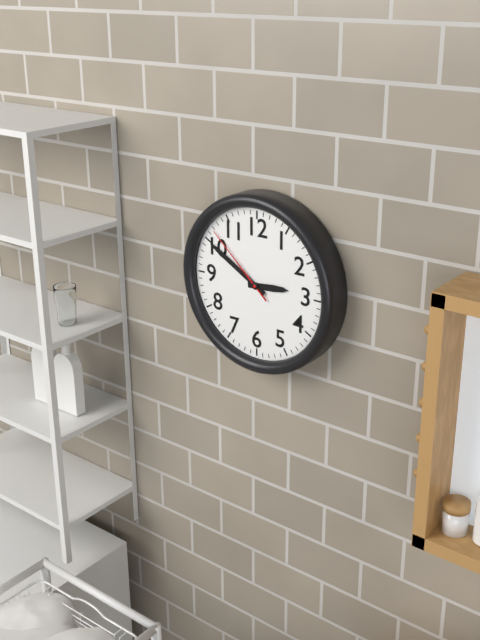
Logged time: 2,50,52
